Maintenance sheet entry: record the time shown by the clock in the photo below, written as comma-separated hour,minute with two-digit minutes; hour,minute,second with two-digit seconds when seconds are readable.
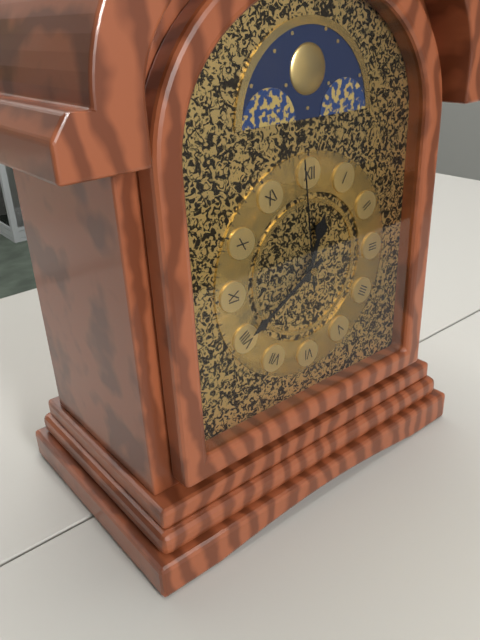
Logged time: 12,40,59
